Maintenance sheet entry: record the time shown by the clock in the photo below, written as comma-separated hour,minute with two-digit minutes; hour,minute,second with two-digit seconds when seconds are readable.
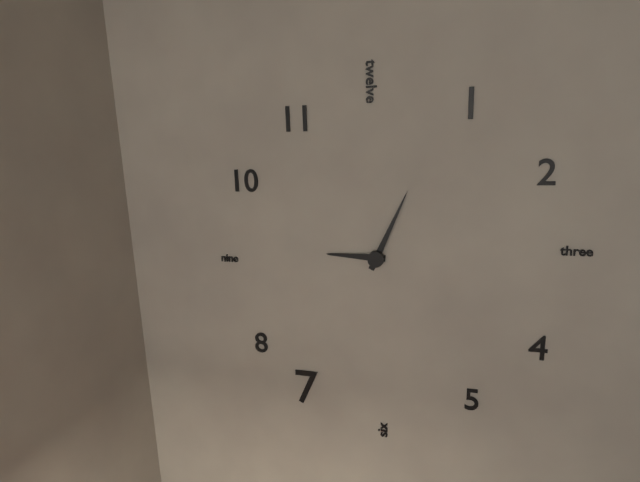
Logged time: 9,04
